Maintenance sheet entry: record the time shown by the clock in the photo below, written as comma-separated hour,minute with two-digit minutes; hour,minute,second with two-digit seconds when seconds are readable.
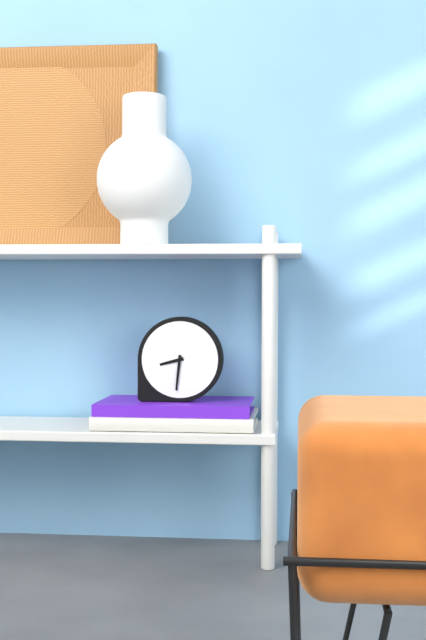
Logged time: 8,31
